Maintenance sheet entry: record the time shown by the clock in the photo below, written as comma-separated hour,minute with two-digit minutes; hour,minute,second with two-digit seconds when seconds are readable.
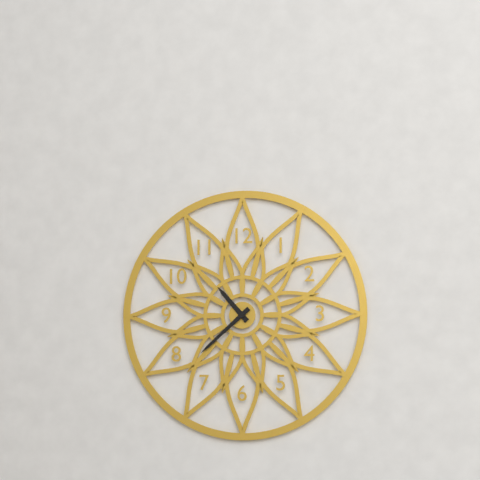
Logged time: 10,38
